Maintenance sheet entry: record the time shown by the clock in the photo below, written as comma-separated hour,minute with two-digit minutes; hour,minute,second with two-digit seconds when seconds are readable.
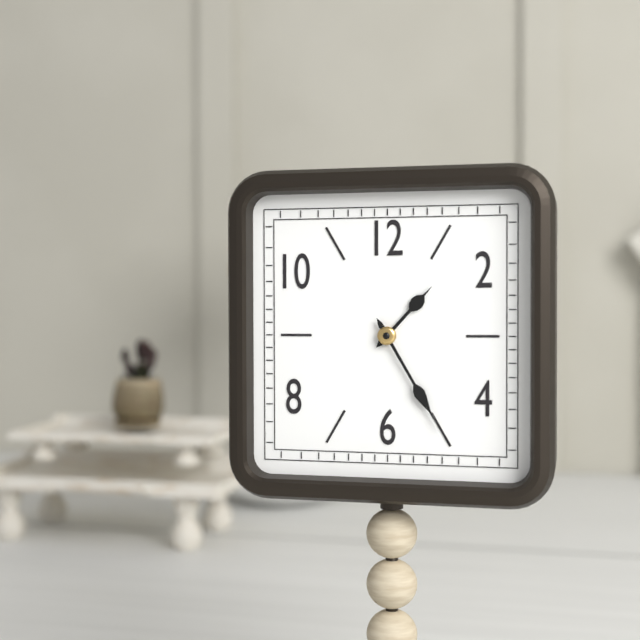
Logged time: 1,25
